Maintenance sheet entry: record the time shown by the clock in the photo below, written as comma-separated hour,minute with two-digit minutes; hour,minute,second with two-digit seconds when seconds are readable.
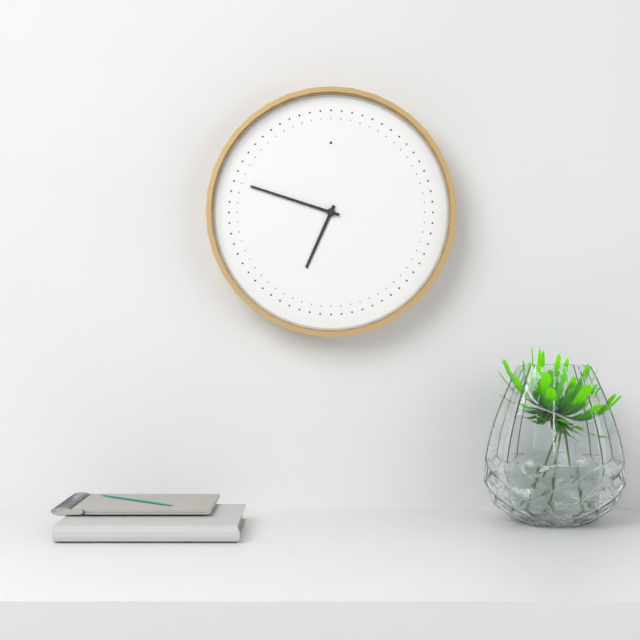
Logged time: 6,48
